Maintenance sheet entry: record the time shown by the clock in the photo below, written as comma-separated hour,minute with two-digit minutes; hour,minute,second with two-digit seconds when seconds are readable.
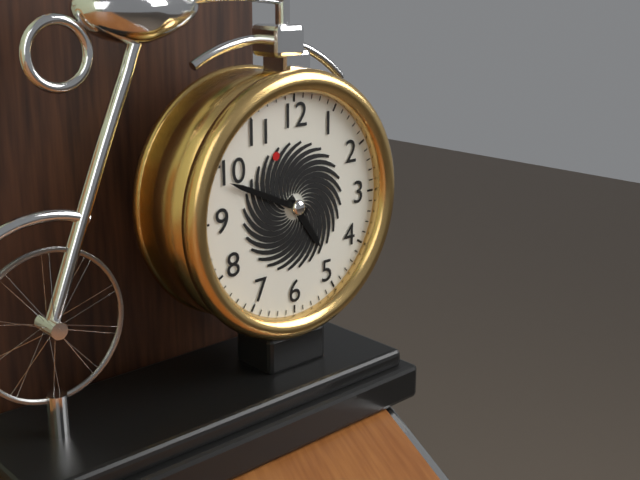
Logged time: 4,49
